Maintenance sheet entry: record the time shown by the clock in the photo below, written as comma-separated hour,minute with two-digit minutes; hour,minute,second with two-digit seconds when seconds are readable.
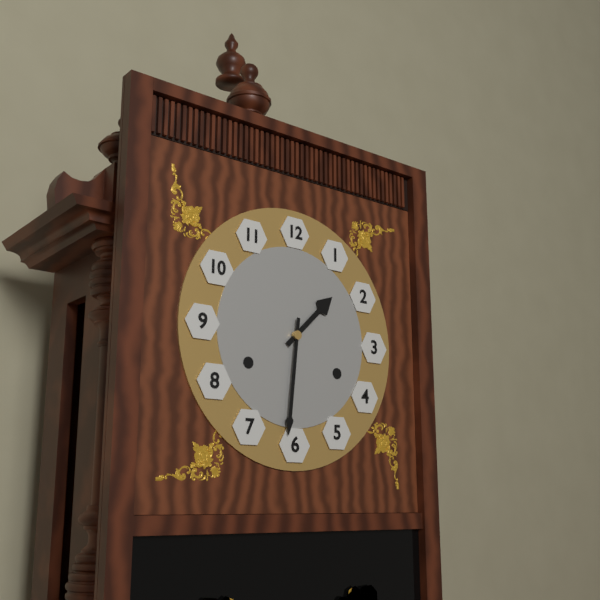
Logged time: 1,31
